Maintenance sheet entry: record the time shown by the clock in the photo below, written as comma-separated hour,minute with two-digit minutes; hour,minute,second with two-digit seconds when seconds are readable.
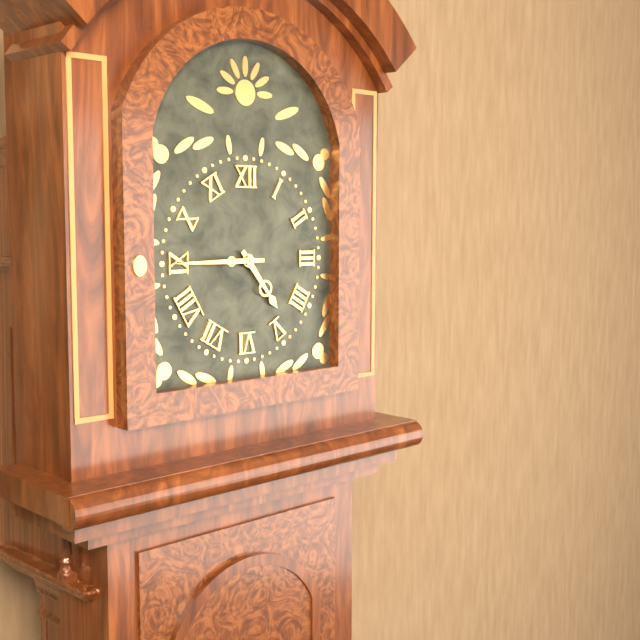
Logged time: 4,45
